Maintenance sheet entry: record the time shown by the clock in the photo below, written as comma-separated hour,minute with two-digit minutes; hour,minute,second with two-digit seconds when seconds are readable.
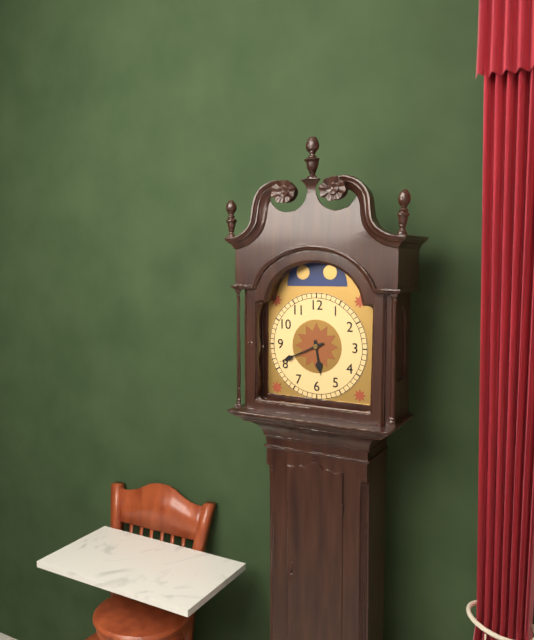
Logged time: 5,41
